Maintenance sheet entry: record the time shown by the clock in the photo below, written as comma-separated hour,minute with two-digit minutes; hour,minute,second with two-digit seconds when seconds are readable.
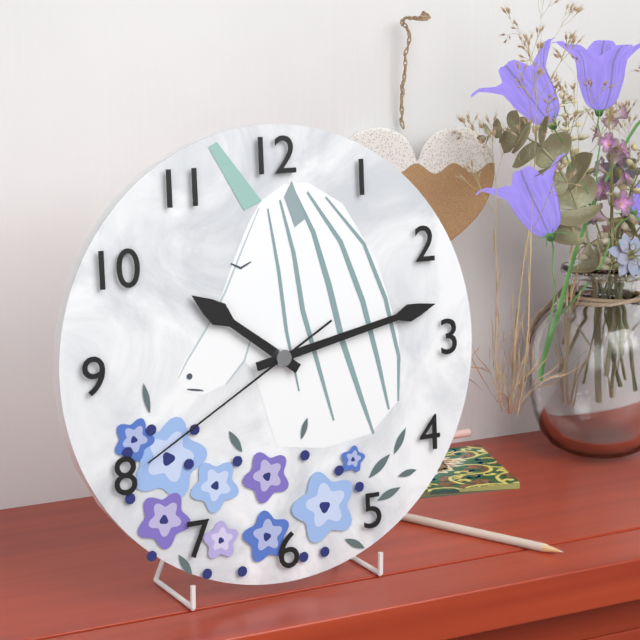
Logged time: 10,13,40
